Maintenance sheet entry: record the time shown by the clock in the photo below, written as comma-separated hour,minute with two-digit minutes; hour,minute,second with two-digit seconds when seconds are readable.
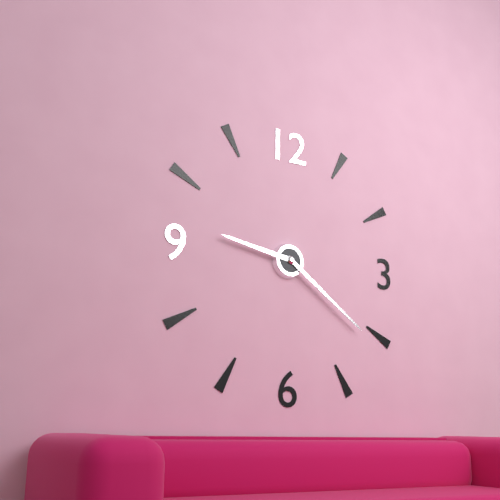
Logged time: 9,21
